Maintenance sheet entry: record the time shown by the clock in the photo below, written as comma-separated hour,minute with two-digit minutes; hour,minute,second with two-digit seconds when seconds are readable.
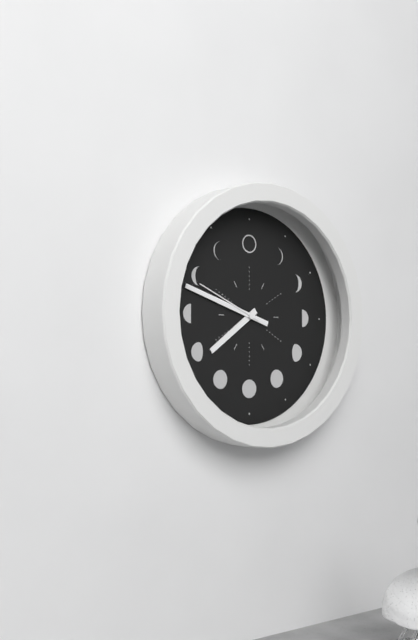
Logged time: 7,48,49
